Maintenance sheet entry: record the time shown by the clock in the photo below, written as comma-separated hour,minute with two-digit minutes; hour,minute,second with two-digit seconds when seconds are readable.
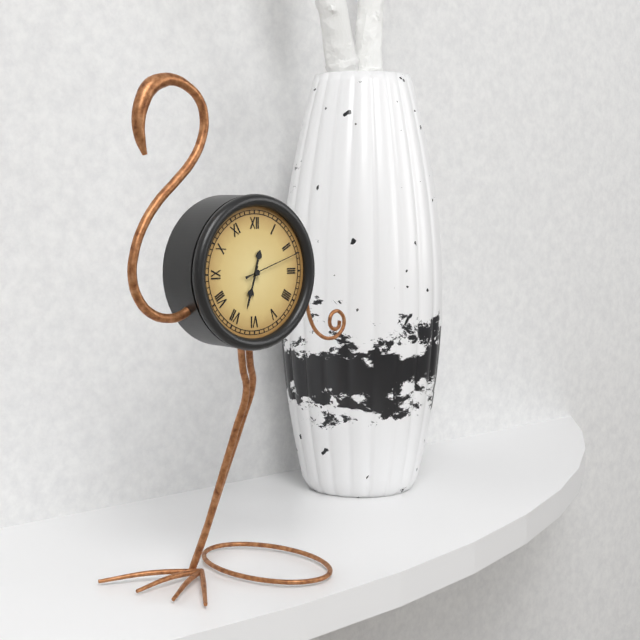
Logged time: 12,33,12
